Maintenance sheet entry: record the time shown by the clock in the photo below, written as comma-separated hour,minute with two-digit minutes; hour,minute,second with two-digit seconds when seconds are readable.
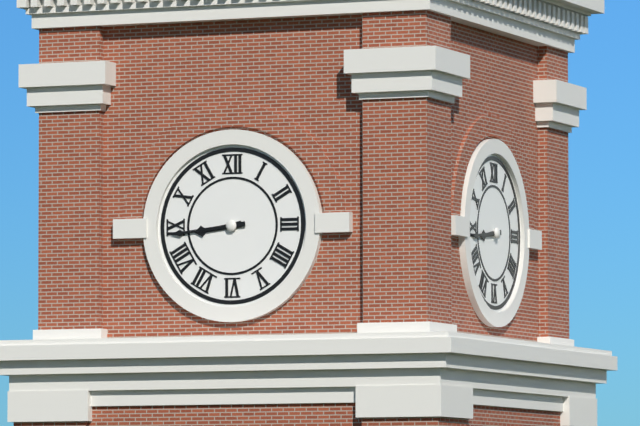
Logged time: 8,44
